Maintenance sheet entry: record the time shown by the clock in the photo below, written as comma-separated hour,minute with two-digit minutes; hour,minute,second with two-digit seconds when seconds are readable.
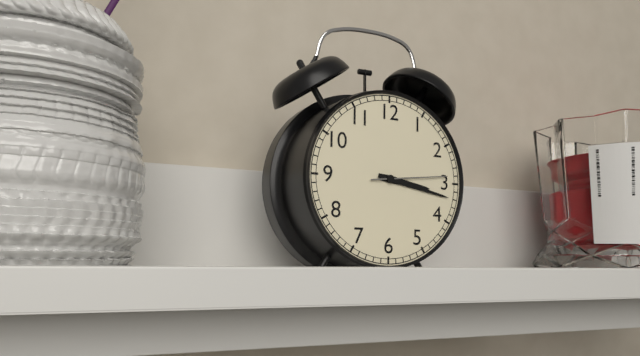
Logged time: 3,17,14
